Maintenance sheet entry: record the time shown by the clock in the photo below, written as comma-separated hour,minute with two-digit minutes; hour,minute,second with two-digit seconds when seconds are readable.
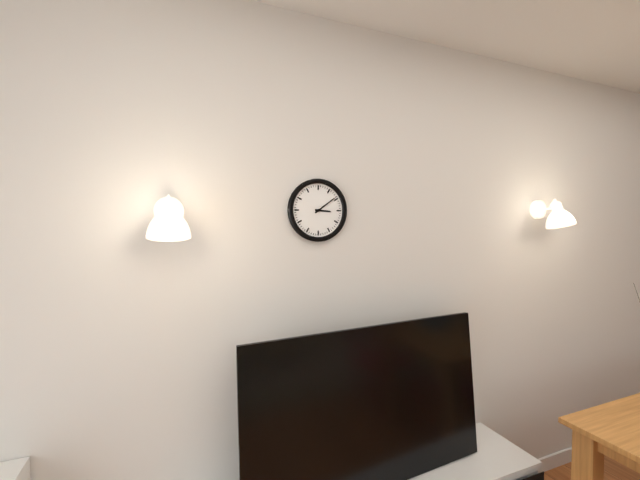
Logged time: 3,09
